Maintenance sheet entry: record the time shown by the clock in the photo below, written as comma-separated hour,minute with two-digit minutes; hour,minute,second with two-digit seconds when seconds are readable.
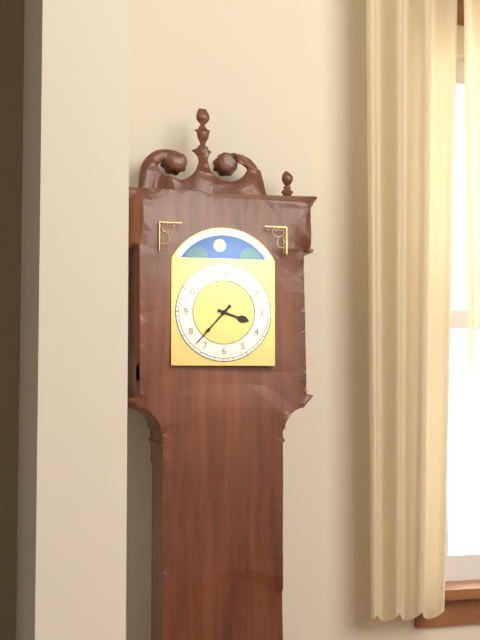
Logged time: 3,37
